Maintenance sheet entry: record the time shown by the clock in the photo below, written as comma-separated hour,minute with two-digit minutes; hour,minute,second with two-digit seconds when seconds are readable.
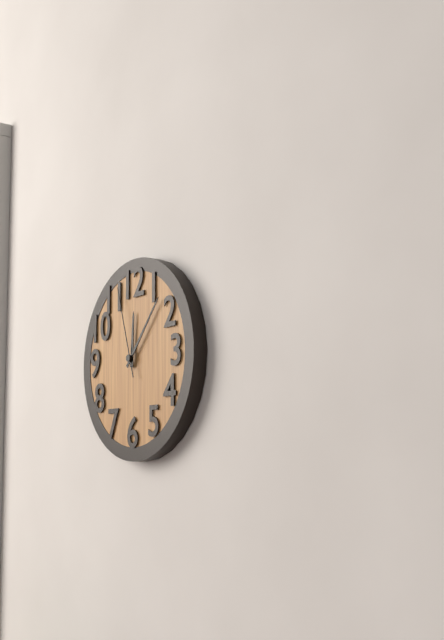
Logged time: 12,07,57
